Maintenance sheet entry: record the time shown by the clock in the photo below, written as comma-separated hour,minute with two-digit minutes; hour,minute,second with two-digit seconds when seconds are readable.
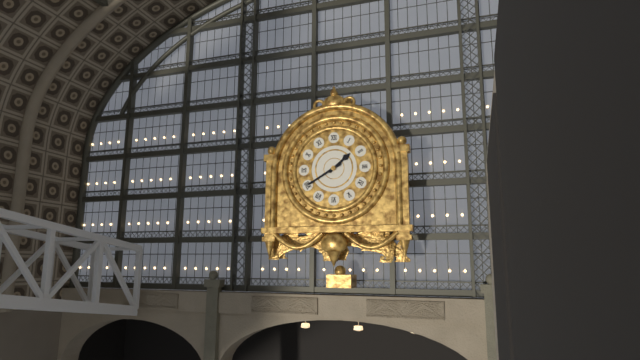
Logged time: 1,40
